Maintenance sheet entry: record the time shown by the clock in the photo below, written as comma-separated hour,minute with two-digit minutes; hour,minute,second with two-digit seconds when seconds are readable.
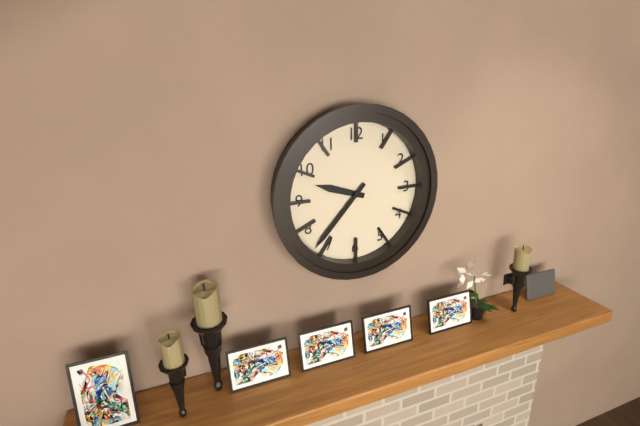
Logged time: 9,37
